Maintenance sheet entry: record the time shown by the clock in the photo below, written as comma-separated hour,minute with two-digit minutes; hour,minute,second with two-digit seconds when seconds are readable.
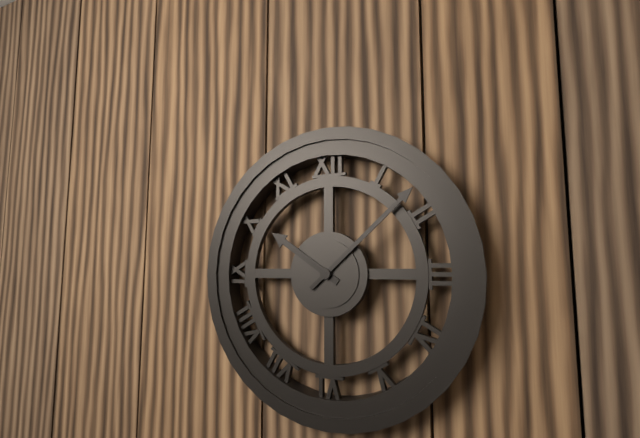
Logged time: 10,08
